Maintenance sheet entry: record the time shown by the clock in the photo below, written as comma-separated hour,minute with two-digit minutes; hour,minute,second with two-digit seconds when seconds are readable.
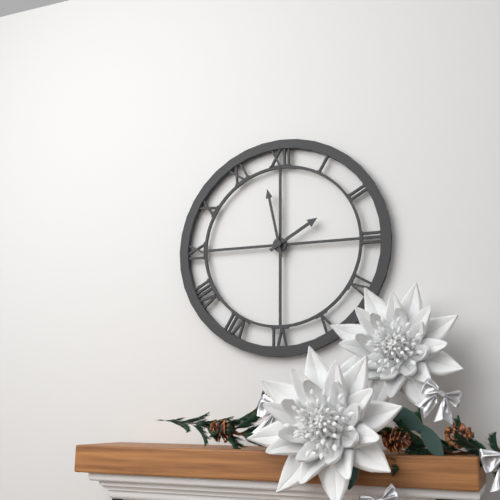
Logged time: 1,58
